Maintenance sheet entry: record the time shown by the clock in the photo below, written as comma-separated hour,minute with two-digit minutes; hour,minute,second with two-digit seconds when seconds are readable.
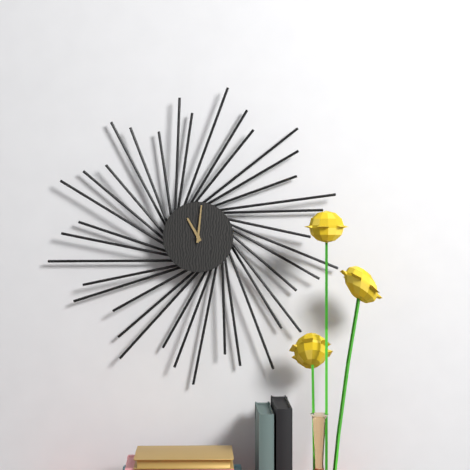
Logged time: 11,01
